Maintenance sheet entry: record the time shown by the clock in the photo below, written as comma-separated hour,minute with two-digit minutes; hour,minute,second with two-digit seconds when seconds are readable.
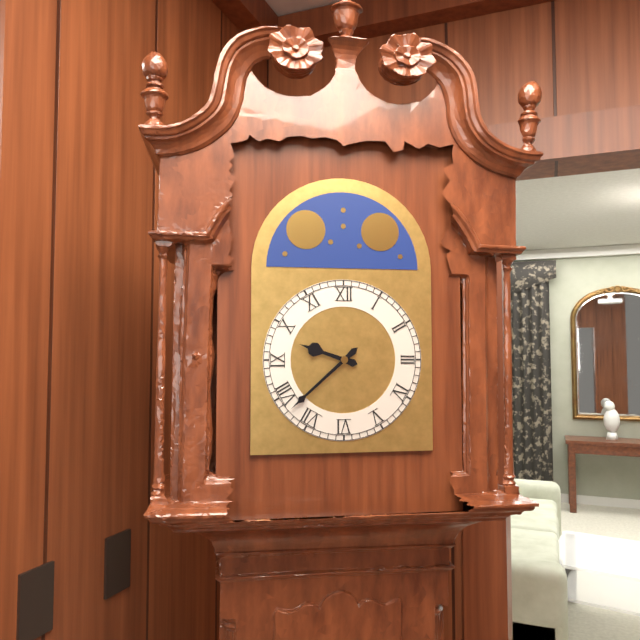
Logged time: 9,38
